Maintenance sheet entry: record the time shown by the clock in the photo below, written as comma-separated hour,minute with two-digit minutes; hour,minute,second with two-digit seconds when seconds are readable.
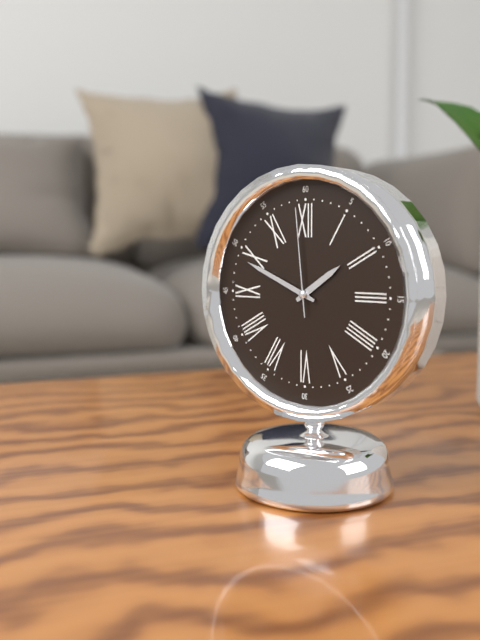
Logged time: 1,49,59
